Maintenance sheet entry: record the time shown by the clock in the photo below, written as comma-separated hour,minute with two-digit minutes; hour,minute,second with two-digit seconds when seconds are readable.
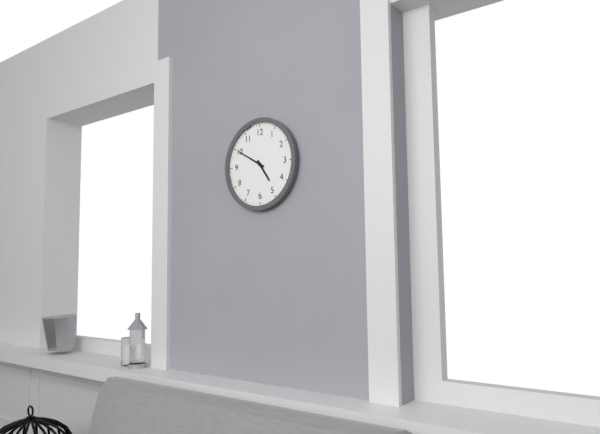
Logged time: 4,50
